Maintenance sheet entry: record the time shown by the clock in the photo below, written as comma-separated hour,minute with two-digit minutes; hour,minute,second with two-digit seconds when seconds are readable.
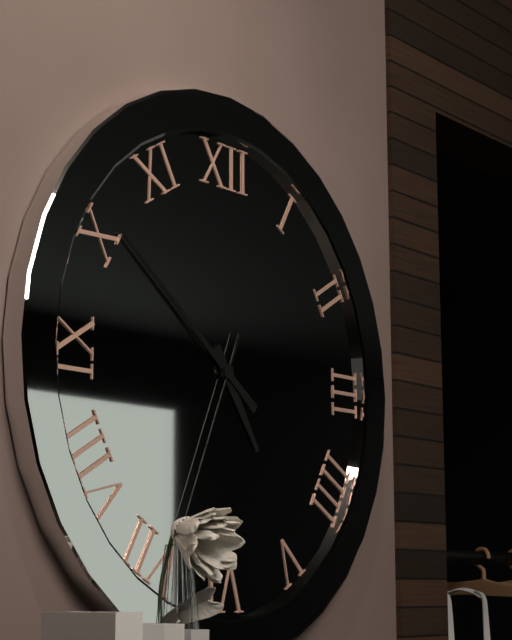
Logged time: 4,51,34
